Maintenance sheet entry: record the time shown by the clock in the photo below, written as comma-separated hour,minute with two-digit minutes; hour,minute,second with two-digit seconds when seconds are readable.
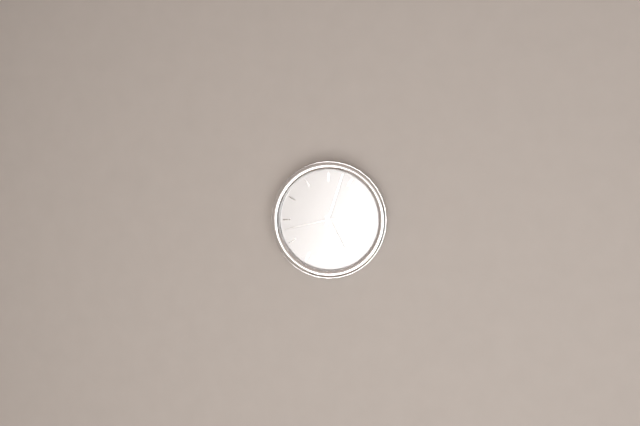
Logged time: 5,03,43
